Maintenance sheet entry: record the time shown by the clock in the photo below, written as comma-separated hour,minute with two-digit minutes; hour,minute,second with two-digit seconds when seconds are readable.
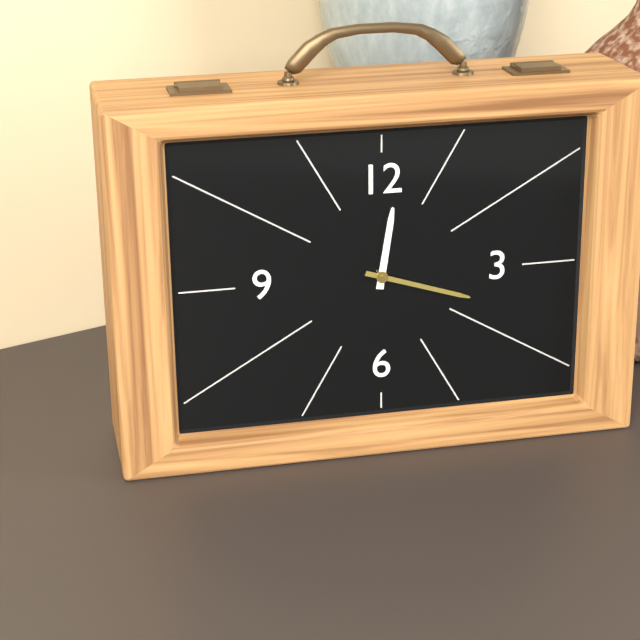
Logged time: 12,18
